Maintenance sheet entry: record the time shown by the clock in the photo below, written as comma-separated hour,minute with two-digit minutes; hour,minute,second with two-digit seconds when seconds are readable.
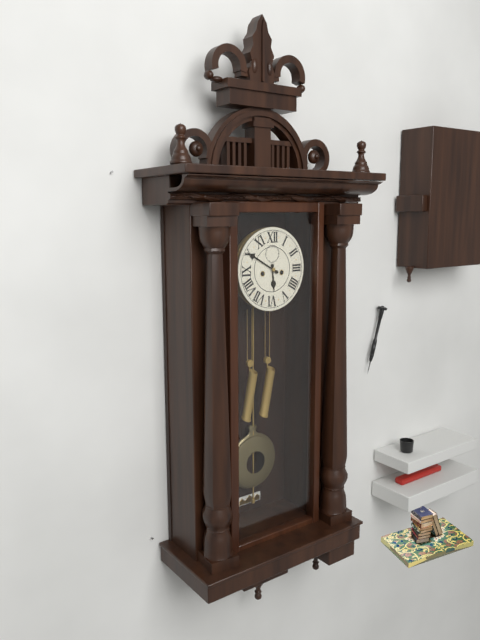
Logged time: 5,50
